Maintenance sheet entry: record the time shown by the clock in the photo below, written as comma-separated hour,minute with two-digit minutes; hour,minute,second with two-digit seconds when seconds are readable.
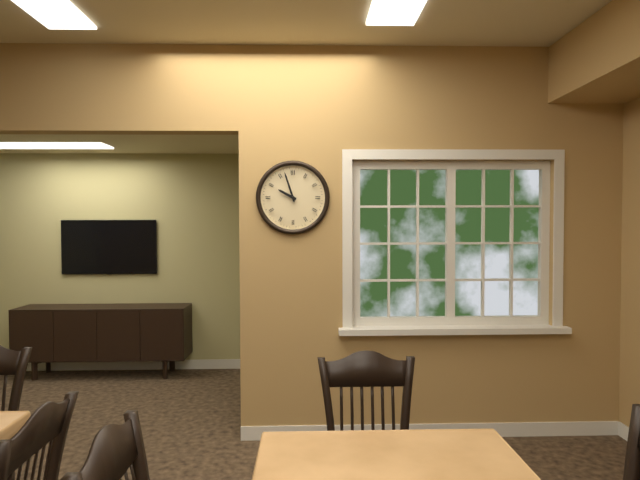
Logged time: 9,57
